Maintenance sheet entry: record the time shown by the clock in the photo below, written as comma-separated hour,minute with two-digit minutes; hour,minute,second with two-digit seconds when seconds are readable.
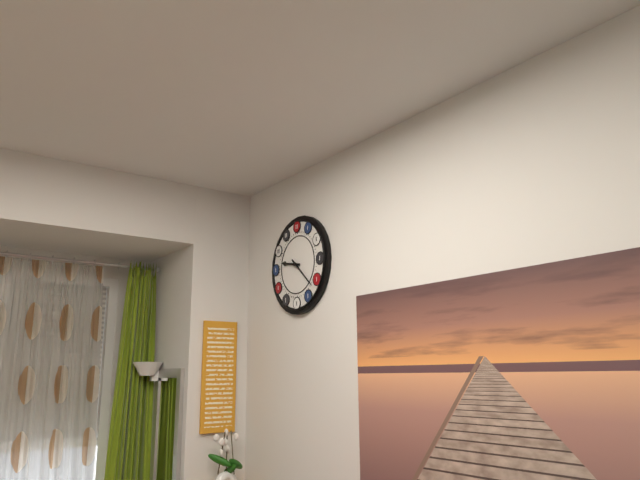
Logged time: 9,22
